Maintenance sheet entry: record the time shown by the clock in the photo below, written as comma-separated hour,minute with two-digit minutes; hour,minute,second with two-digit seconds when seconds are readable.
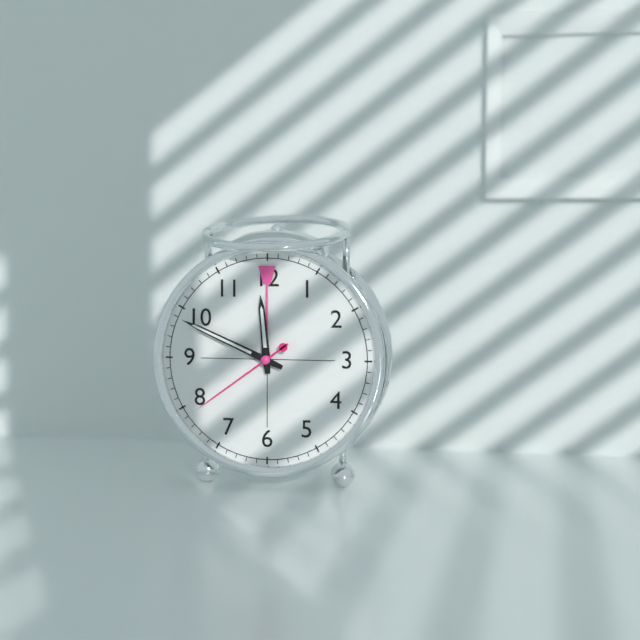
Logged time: 11,49,39
